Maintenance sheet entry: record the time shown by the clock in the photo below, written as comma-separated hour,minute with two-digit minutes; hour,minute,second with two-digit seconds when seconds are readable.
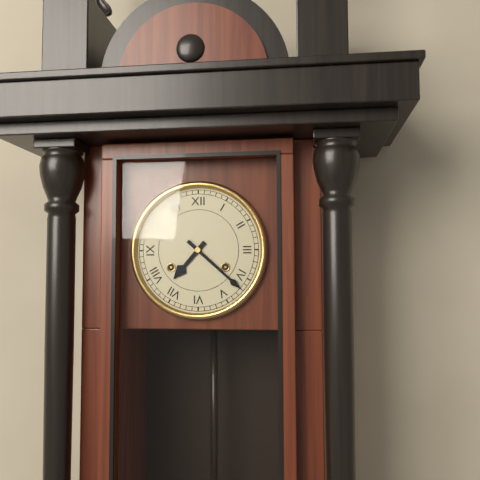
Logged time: 7,22
